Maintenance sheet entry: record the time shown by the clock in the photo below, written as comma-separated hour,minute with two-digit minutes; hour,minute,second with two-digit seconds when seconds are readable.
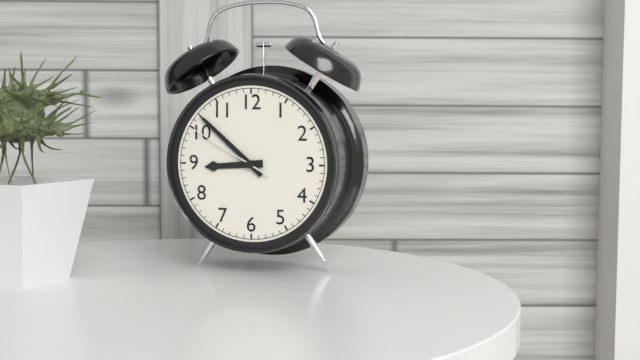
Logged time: 8,52,50
